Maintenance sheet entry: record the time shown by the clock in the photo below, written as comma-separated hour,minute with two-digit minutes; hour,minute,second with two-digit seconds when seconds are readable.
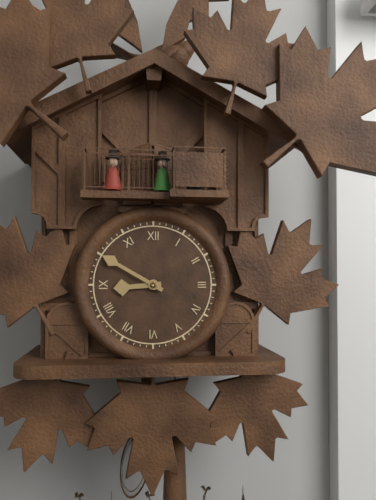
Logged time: 8,50
